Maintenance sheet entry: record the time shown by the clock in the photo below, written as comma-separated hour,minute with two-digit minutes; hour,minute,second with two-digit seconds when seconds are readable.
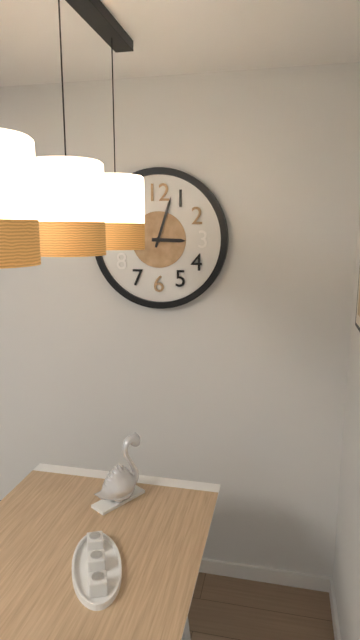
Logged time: 3,03
